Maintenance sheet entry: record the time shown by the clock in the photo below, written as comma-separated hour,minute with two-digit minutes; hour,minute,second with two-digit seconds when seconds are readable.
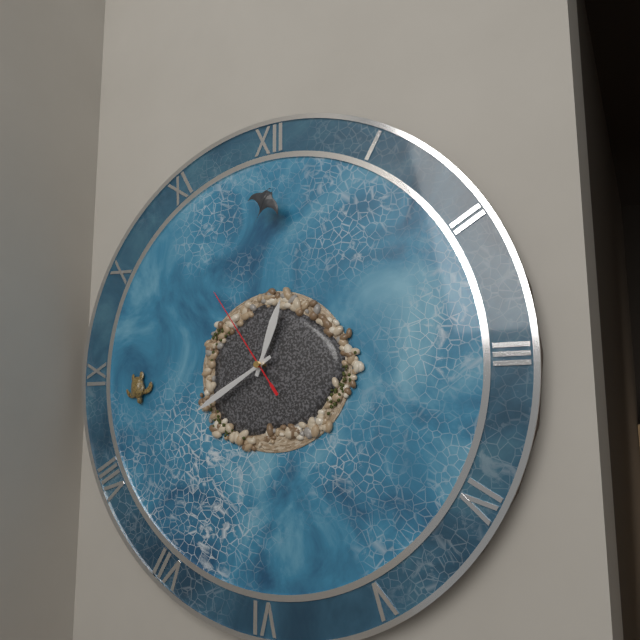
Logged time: 12,40,54
